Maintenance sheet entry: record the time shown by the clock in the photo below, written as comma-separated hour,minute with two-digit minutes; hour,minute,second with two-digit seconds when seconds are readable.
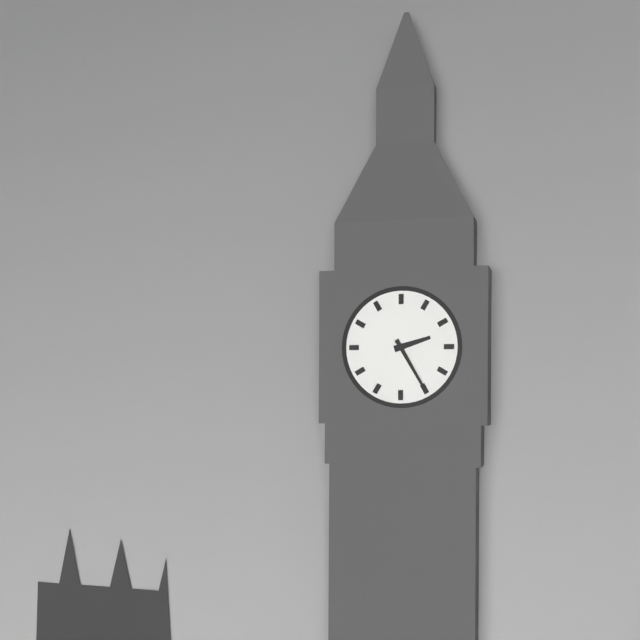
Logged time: 2,25
